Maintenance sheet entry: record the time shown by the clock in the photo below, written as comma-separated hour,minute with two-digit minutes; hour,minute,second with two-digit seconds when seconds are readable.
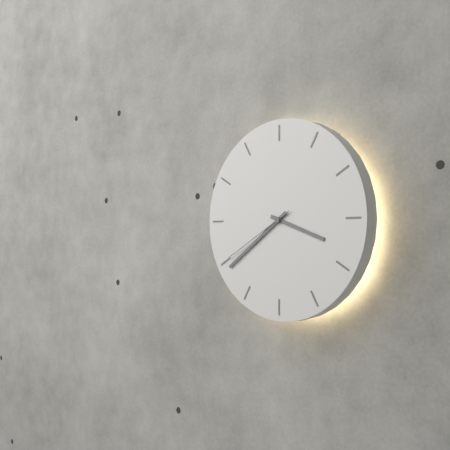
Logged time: 3,39,40
